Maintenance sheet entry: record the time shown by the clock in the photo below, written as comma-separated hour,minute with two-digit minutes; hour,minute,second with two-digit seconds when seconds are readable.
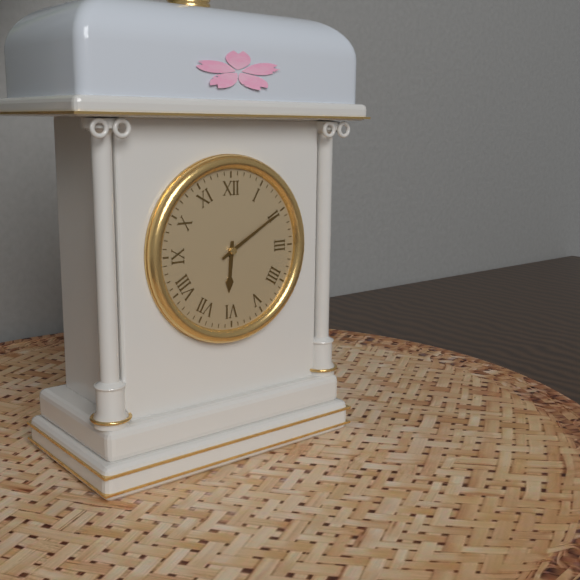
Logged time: 6,10
